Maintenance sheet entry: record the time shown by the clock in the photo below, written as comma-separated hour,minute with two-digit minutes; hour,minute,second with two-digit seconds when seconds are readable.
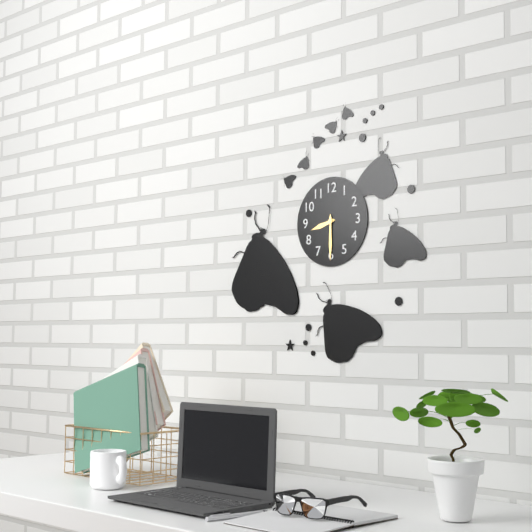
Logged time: 8,30
